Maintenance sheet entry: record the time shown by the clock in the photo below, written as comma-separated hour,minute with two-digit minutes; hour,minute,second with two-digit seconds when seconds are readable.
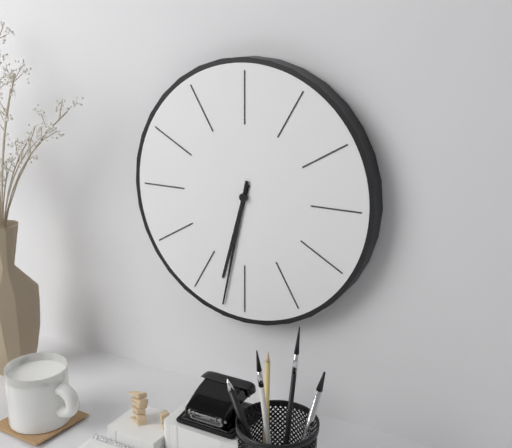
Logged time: 6,32
